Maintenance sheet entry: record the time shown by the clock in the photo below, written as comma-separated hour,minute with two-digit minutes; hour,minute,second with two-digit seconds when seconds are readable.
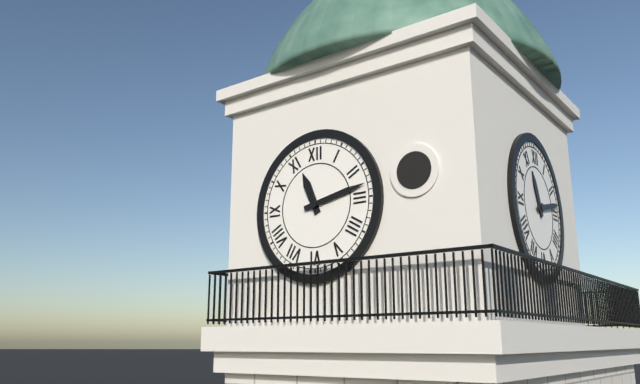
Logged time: 11,13
